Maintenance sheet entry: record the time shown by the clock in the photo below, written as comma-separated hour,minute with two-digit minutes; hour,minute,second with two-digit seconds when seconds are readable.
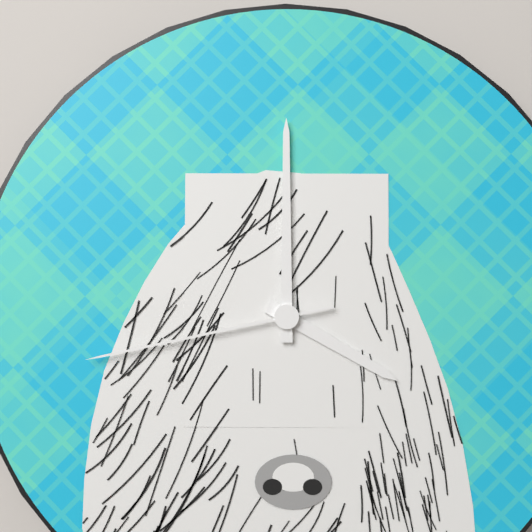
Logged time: 4,00,43
